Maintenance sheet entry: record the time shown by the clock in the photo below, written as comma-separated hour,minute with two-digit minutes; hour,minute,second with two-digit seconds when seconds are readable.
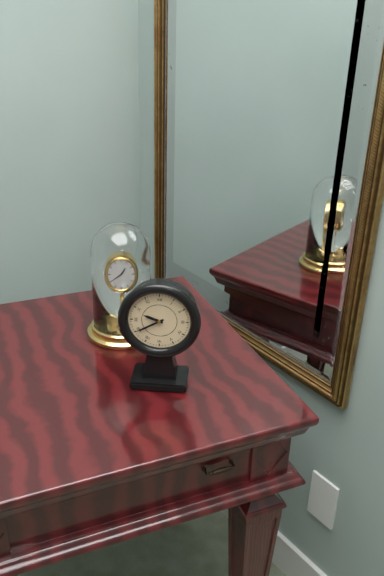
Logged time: 9,40
